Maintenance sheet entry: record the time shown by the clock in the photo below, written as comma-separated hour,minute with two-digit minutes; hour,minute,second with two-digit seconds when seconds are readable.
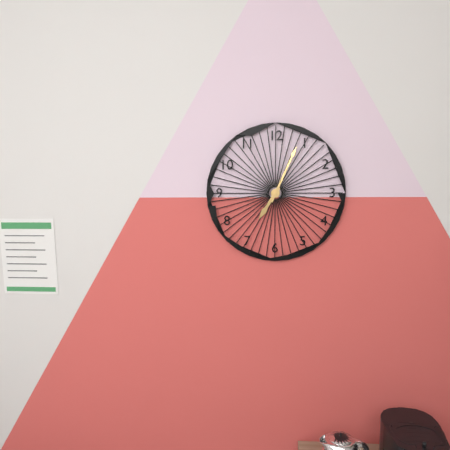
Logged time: 7,04
